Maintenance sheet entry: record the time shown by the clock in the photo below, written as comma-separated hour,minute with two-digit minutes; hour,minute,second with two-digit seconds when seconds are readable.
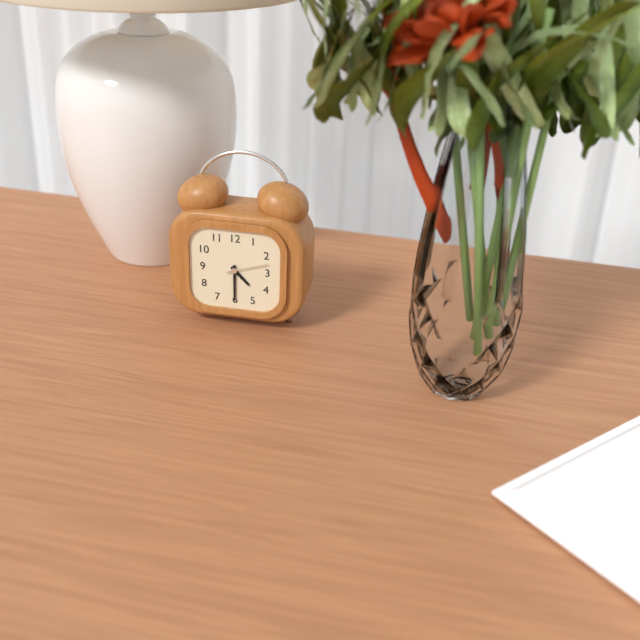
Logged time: 4,30
